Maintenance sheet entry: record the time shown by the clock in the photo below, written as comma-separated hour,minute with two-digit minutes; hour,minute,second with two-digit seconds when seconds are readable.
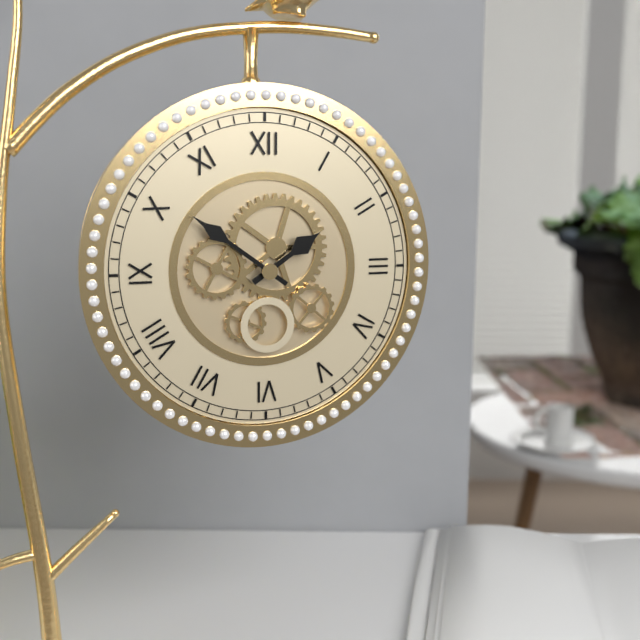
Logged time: 1,51
